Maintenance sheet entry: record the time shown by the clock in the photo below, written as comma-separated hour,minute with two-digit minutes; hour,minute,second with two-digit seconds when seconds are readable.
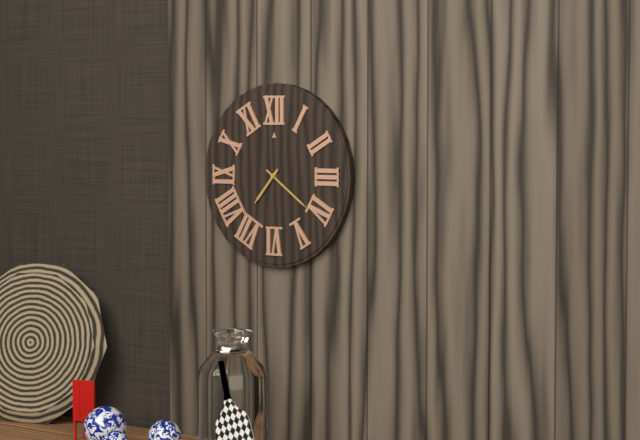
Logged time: 7,21
